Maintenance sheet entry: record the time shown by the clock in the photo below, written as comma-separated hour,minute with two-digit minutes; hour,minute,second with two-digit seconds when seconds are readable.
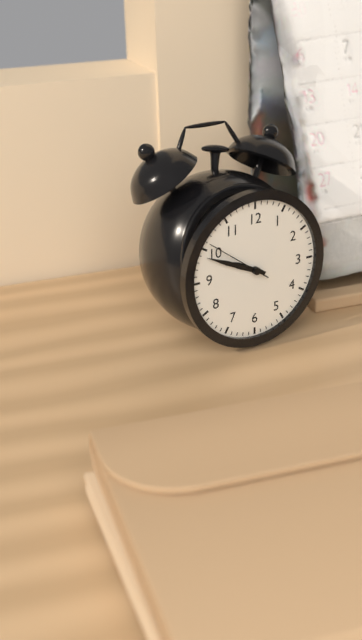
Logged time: 9,49,51
